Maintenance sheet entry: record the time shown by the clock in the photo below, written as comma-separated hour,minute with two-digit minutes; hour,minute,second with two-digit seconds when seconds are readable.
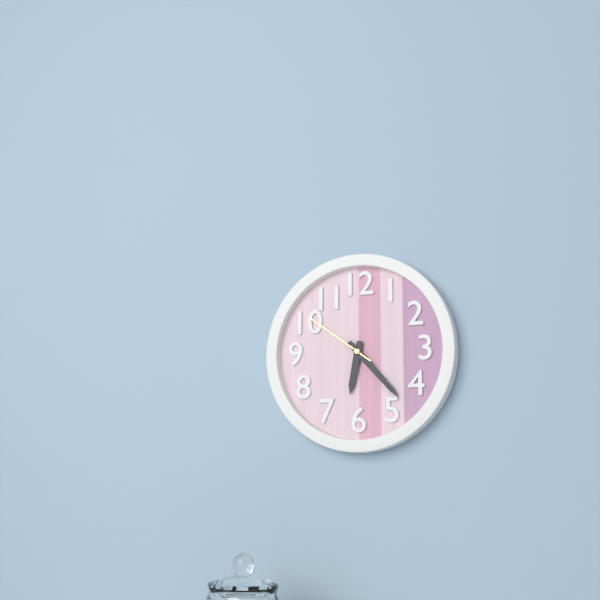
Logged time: 6,23,51
